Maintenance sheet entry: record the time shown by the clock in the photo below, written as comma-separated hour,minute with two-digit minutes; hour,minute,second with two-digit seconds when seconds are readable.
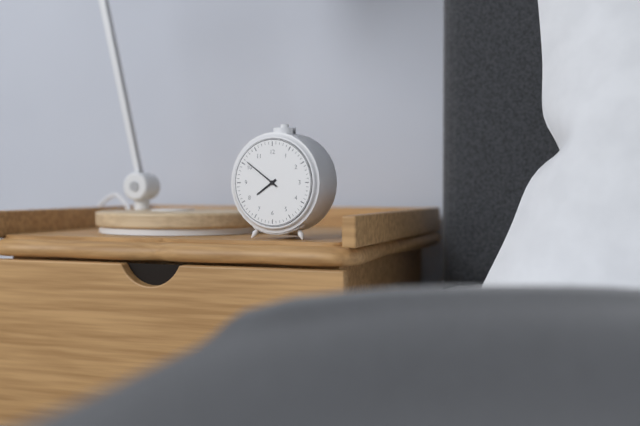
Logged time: 7,51
